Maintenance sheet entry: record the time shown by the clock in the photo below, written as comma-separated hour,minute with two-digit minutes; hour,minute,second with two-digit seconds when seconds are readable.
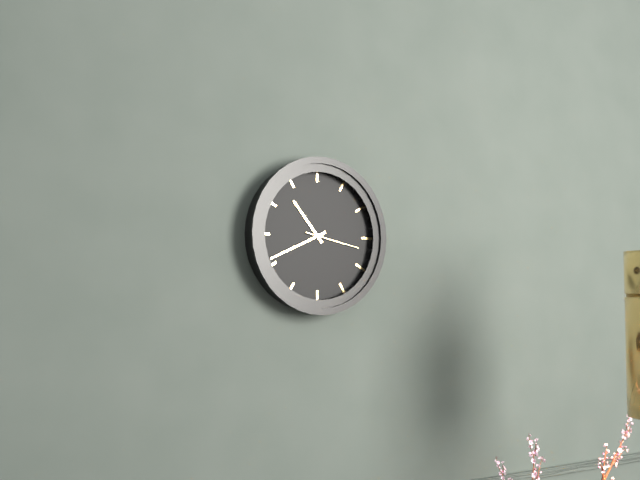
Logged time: 10,41,17
